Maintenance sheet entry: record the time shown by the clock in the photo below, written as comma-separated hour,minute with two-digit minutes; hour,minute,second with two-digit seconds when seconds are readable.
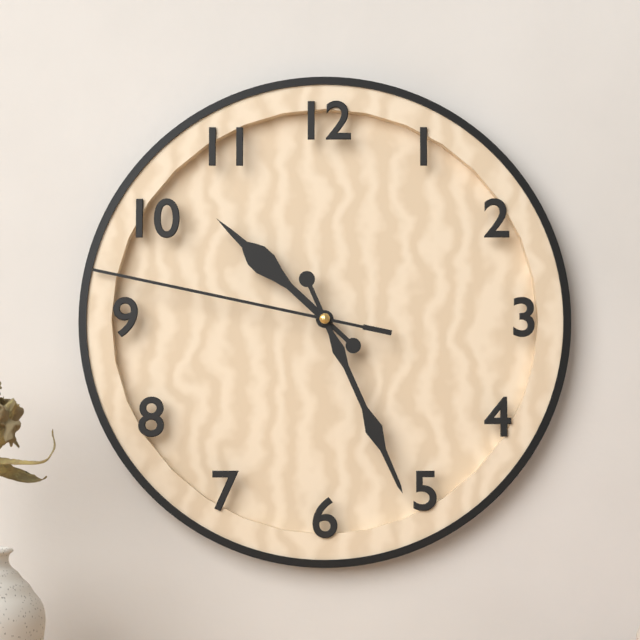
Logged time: 10,26,47
